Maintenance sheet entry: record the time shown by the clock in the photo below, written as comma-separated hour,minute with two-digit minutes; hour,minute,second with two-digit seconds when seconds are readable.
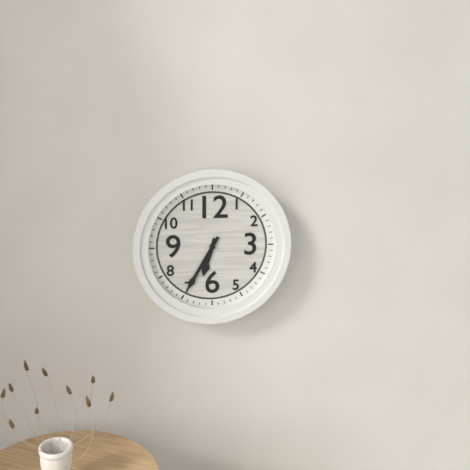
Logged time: 6,35
